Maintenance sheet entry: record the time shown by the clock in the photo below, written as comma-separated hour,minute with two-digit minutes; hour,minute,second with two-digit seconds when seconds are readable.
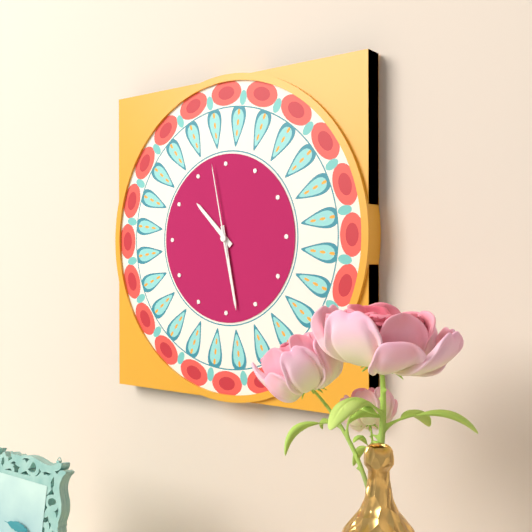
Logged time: 10,28,58
